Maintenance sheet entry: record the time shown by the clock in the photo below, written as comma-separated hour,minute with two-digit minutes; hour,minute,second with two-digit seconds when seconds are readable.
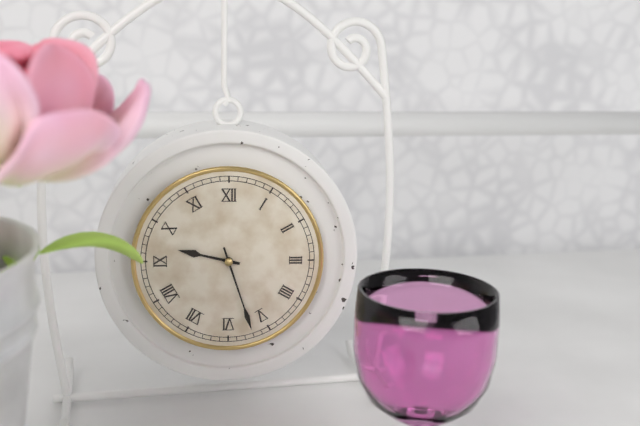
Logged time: 9,27
